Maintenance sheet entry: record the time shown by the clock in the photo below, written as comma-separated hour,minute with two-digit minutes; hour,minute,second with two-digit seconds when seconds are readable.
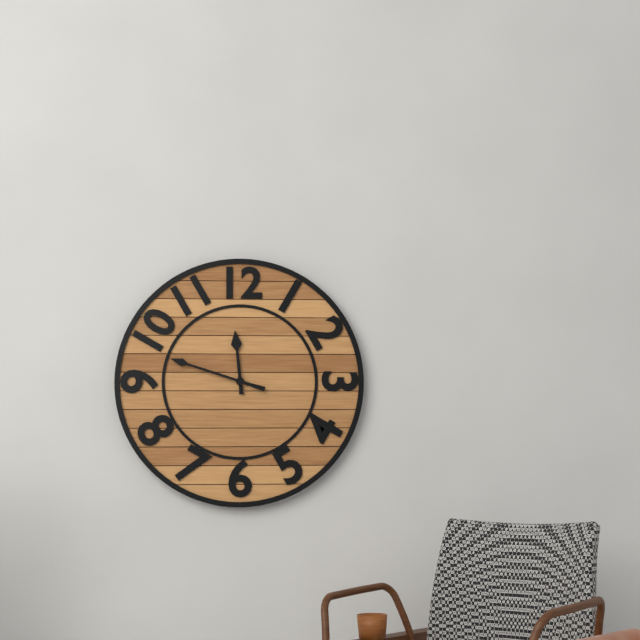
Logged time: 11,48
